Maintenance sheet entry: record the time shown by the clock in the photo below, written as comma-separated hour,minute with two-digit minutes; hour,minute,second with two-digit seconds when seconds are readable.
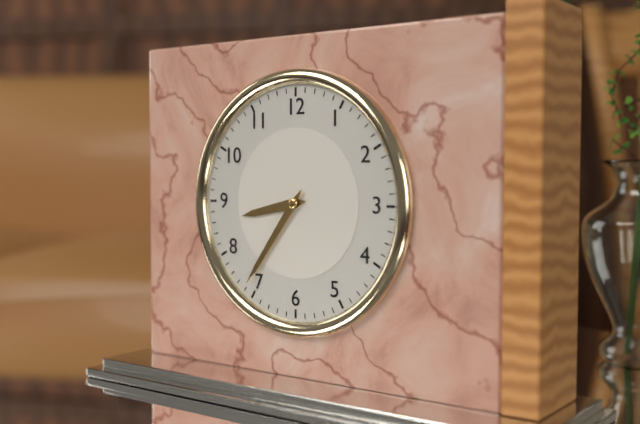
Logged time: 8,36
